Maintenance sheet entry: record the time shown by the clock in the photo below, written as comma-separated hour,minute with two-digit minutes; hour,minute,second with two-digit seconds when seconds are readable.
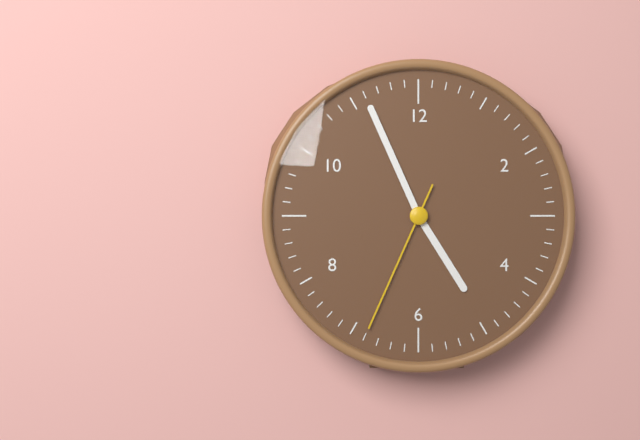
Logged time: 4,56,34
